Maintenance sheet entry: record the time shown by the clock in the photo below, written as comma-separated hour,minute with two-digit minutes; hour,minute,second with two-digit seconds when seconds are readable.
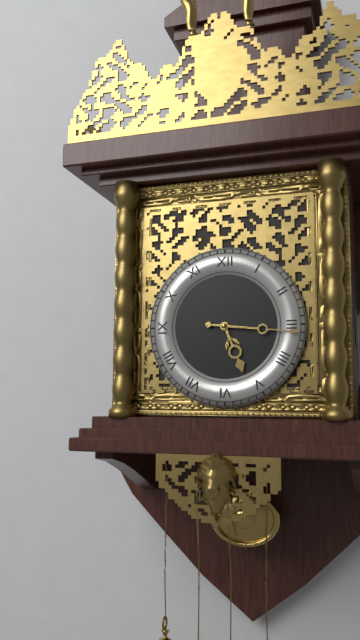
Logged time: 5,16
